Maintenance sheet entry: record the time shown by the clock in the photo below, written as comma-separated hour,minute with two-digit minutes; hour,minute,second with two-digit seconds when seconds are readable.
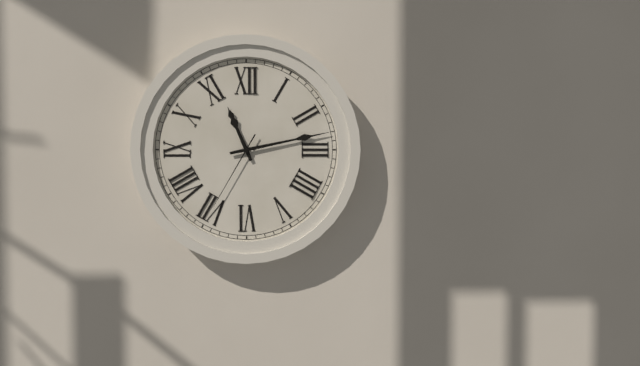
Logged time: 11,13,35
